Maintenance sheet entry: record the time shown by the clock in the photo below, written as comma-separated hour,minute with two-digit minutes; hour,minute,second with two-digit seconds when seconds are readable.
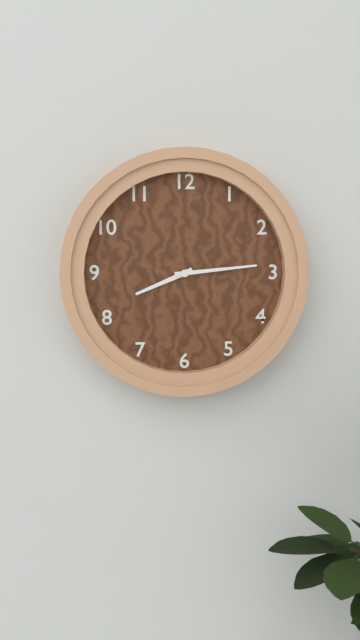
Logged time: 8,14
